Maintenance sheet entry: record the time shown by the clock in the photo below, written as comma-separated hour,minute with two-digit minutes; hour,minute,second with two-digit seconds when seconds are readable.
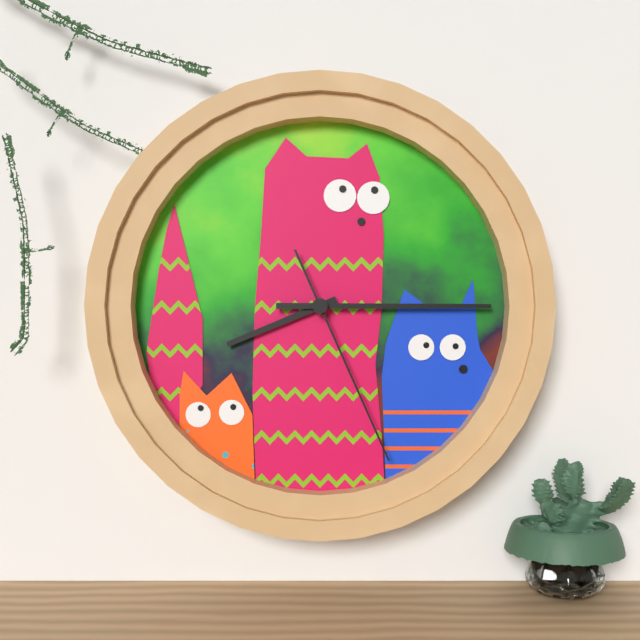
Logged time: 8,15,26
